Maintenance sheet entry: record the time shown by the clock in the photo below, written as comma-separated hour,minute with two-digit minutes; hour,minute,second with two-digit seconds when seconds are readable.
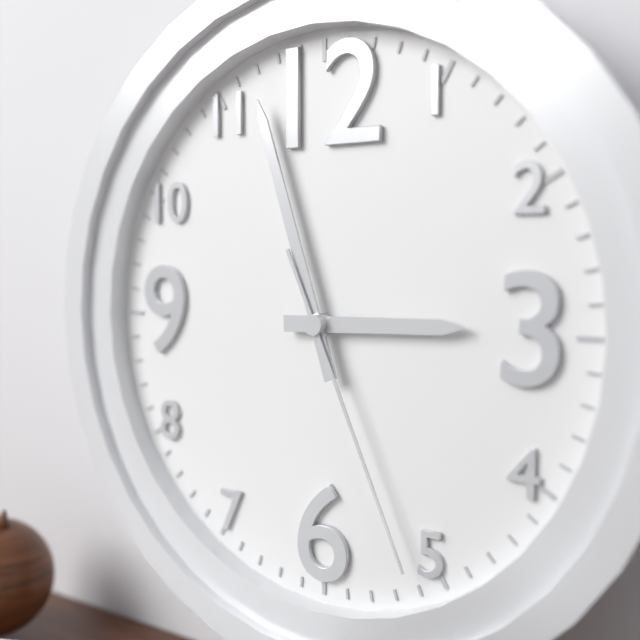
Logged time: 2,57,26
